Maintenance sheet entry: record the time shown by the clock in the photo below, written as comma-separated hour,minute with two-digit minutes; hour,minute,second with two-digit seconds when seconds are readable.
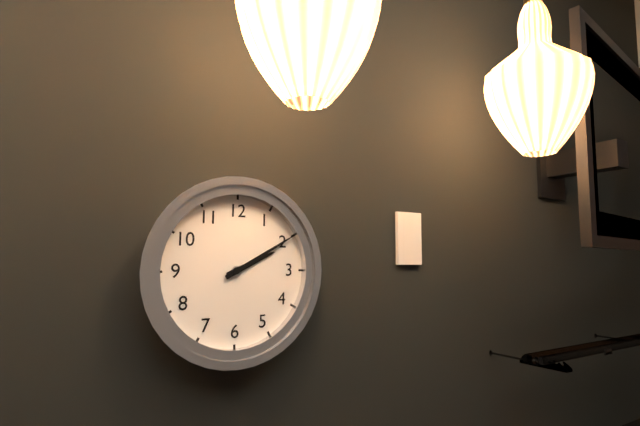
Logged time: 2,10
